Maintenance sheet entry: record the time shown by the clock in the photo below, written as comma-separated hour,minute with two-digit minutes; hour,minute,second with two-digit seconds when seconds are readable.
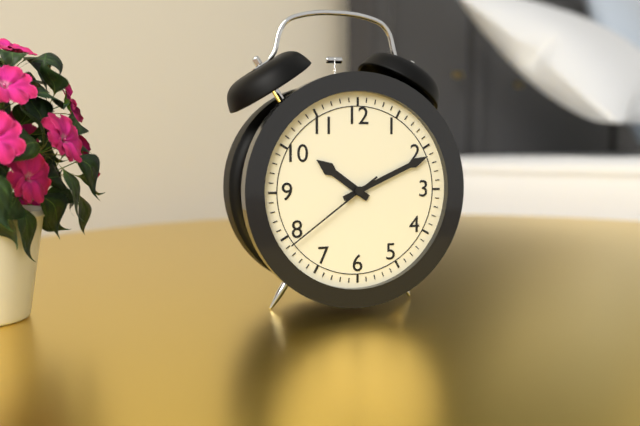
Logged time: 10,11,39
